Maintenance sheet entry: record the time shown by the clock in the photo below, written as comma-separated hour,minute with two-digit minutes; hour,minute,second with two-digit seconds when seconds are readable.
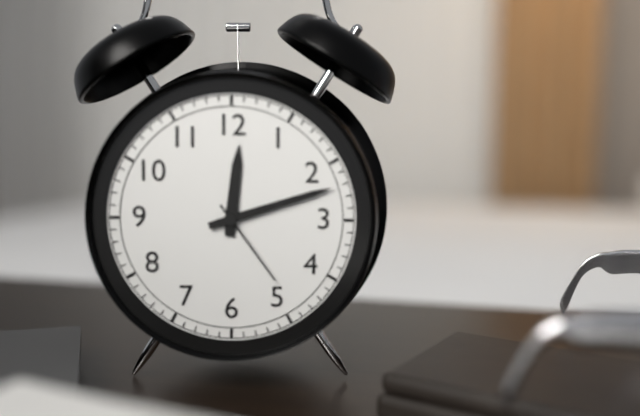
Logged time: 12,12,24
